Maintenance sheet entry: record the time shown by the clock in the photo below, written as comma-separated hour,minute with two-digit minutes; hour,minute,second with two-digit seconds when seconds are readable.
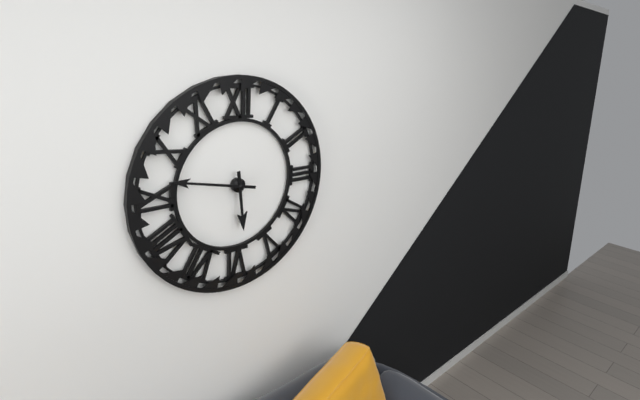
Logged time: 5,47
